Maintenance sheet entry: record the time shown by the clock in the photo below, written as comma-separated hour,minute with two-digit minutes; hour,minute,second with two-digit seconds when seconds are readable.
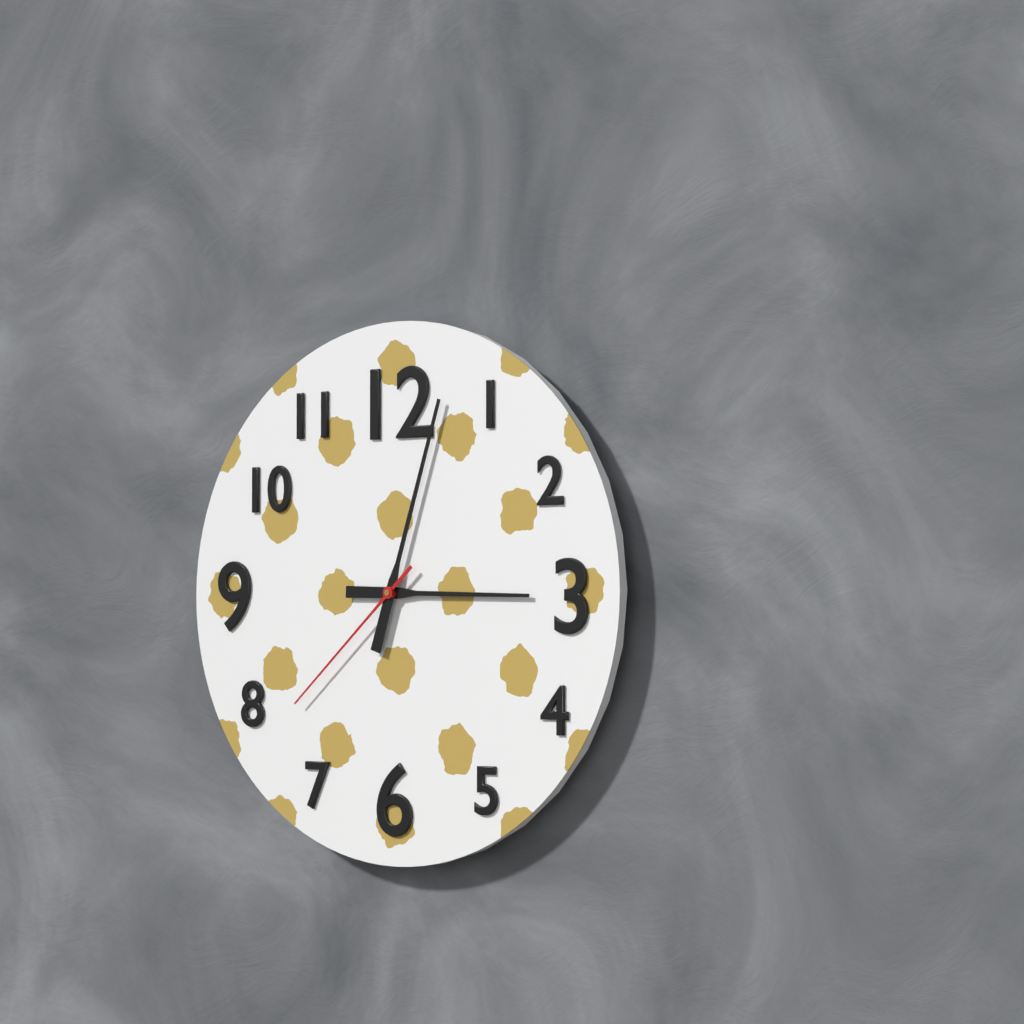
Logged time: 3,03,38
